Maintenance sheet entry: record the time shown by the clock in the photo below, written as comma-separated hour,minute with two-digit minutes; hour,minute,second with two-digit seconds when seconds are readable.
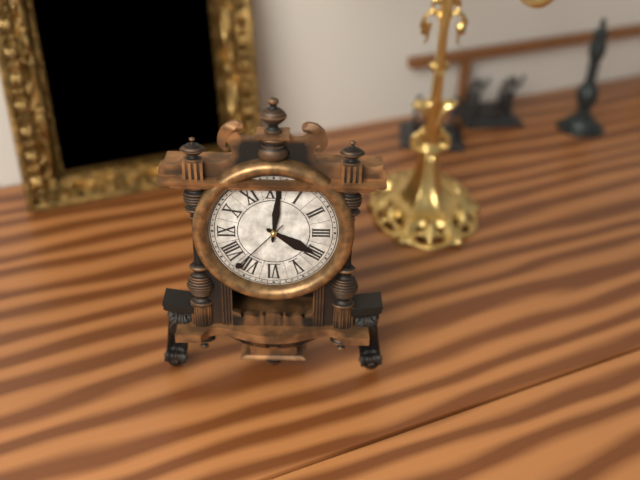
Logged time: 4,01,37
